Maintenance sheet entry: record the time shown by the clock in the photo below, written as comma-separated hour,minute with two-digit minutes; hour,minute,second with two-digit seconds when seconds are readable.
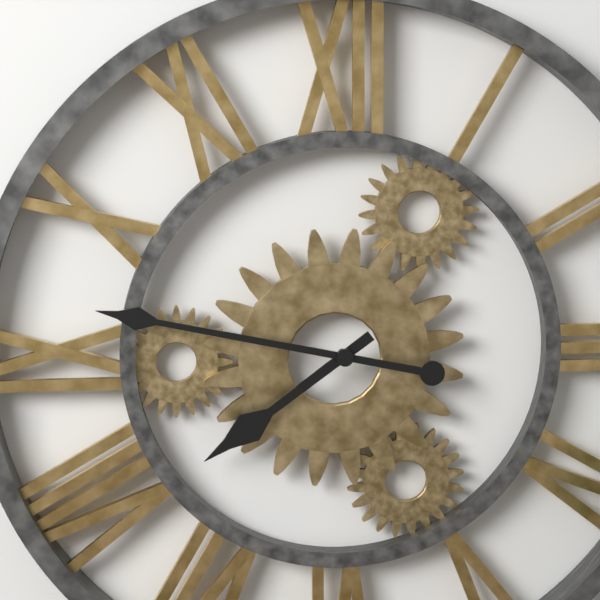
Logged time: 7,47
